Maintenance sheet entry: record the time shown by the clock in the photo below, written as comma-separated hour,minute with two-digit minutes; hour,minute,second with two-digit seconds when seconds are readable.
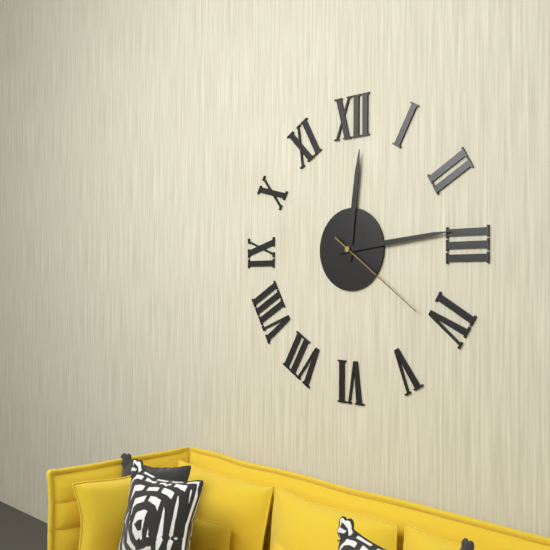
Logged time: 12,14,21
